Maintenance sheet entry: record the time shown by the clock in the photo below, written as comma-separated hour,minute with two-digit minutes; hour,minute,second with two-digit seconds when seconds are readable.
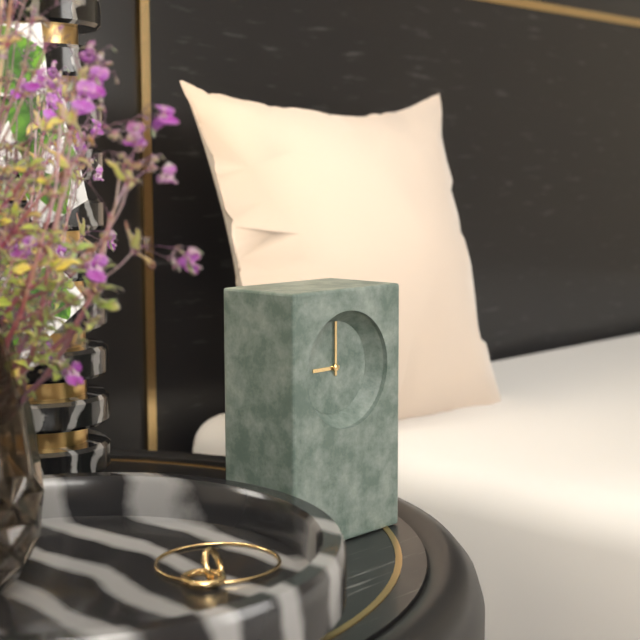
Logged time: 9,00
